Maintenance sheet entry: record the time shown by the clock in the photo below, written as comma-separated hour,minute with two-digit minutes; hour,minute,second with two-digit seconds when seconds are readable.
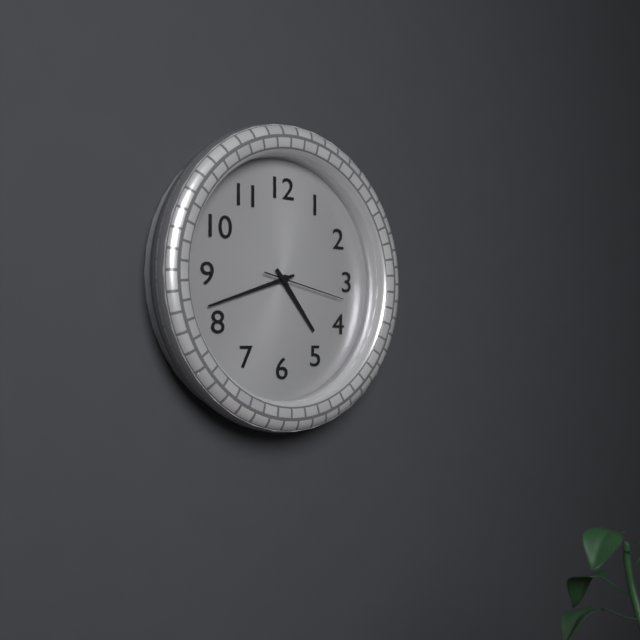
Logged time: 4,42,17
